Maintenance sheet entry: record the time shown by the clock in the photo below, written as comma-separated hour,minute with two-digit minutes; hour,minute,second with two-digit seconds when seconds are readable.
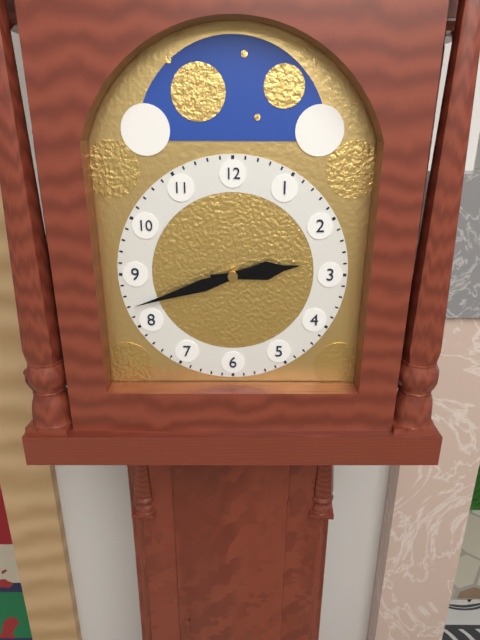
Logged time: 2,42
